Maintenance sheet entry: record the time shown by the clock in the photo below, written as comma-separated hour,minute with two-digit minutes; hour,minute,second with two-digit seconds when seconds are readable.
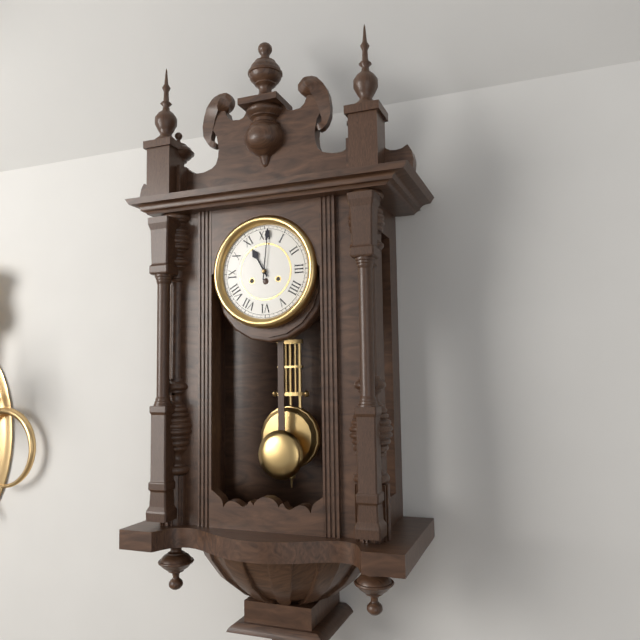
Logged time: 11,01
